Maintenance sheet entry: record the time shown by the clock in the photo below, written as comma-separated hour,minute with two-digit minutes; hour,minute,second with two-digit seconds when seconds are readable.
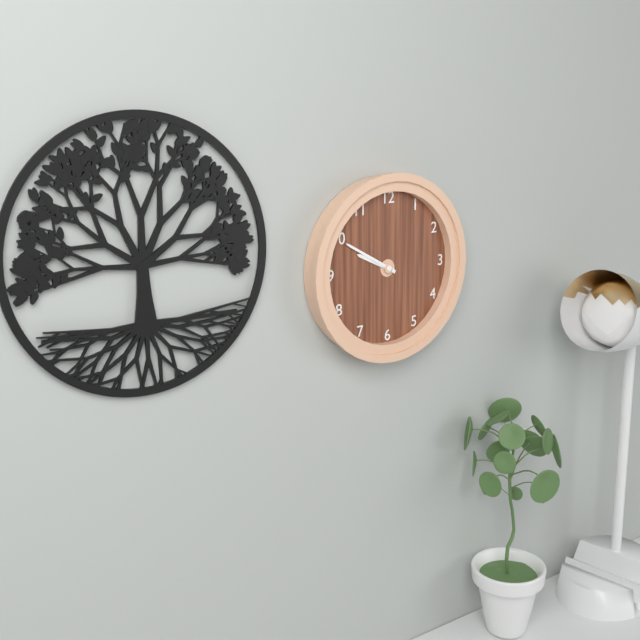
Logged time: 9,50
